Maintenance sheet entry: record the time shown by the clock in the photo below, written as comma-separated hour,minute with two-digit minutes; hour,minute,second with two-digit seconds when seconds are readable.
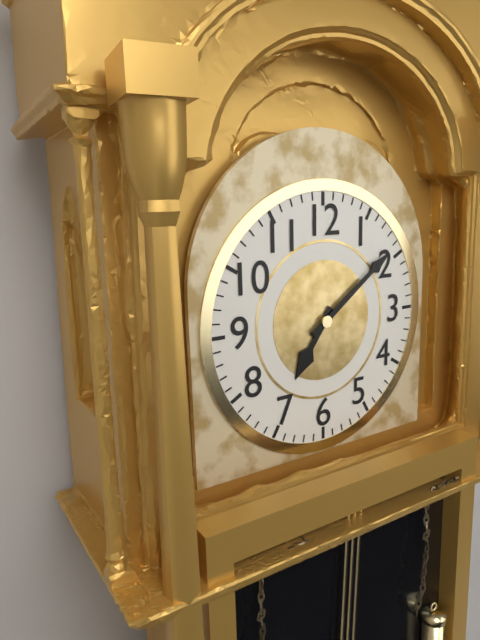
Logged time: 7,09
